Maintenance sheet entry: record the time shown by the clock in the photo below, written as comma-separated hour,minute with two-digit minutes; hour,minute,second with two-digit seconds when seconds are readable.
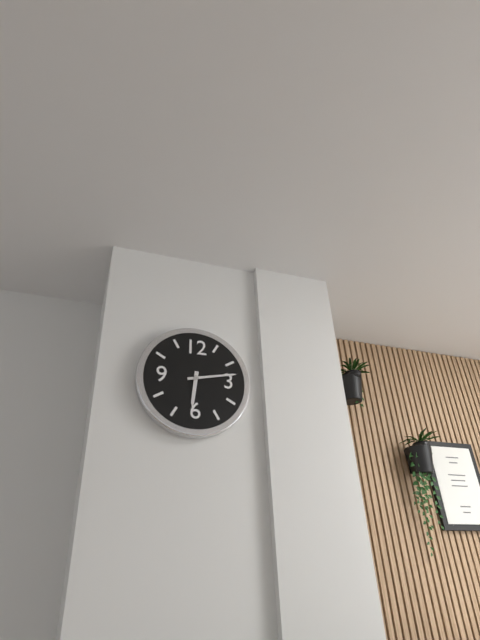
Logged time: 6,13
